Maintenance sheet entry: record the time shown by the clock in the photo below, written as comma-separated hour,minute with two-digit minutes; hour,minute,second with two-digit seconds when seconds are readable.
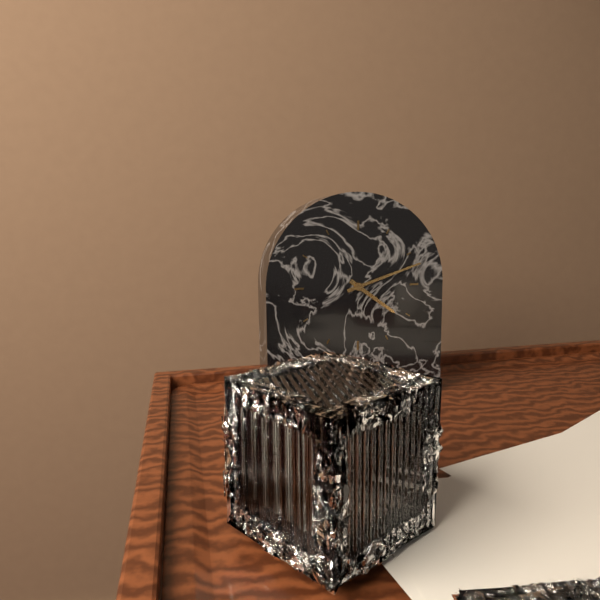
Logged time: 4,12
